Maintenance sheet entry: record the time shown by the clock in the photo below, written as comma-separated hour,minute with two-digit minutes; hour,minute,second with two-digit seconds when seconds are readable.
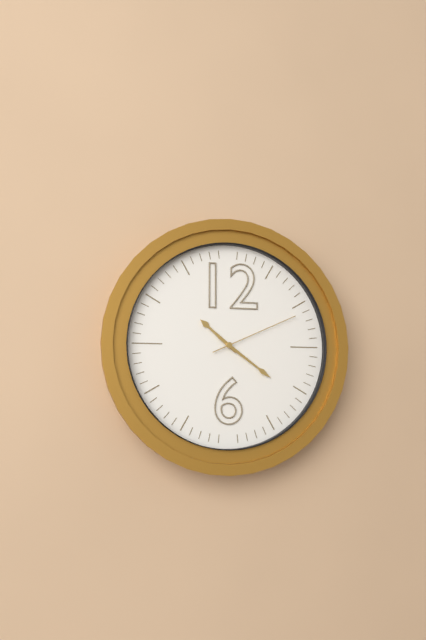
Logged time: 10,21,11
